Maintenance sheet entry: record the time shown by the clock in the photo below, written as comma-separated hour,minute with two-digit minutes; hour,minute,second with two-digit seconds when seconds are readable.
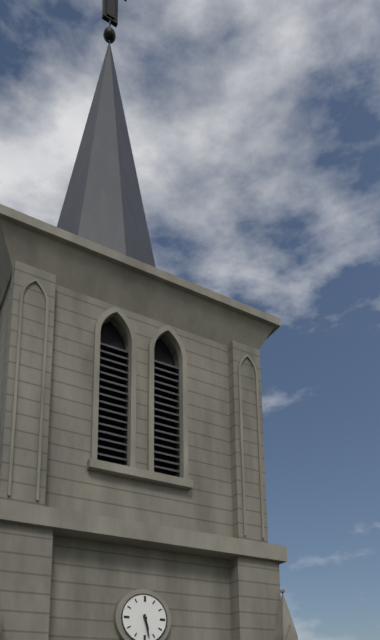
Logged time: 5,28
